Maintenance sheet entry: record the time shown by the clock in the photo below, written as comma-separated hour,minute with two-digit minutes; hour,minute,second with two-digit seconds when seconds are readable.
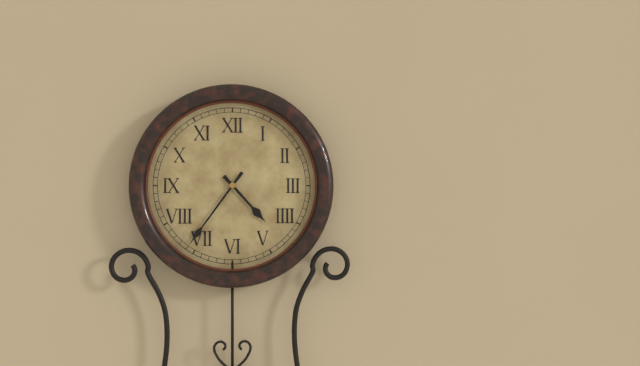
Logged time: 4,36
